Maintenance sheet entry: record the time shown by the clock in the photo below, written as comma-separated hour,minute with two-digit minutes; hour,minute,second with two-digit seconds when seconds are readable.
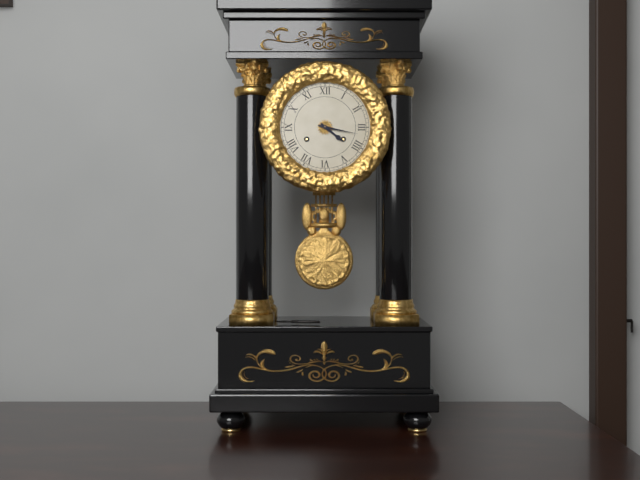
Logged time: 4,17
